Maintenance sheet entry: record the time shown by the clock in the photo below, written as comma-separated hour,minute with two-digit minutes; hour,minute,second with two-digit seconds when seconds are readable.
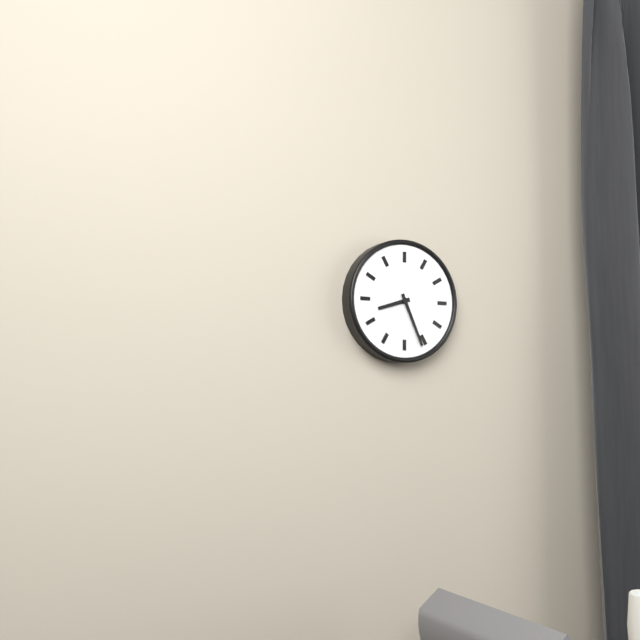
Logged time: 8,26
